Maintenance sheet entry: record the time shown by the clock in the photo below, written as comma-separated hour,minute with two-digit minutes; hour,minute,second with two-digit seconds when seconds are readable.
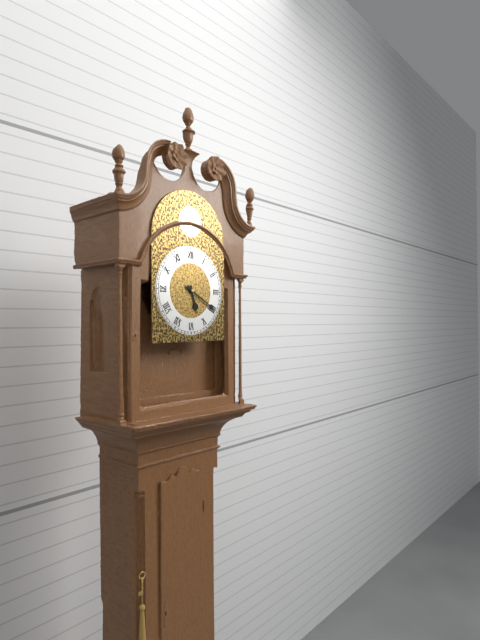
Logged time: 5,20
